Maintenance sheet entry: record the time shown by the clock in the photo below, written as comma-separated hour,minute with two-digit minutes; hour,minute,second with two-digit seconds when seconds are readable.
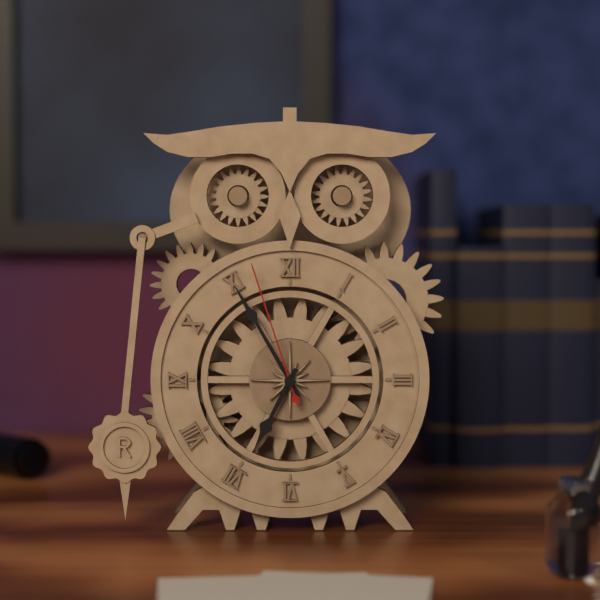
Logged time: 6,55,57
